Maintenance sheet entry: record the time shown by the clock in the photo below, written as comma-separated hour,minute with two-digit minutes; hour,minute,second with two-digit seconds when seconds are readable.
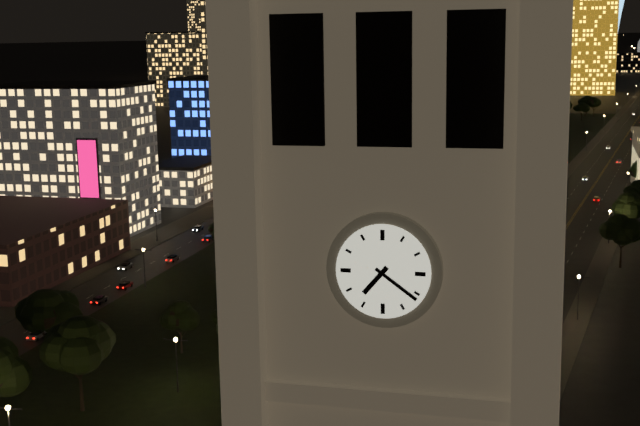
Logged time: 7,21
